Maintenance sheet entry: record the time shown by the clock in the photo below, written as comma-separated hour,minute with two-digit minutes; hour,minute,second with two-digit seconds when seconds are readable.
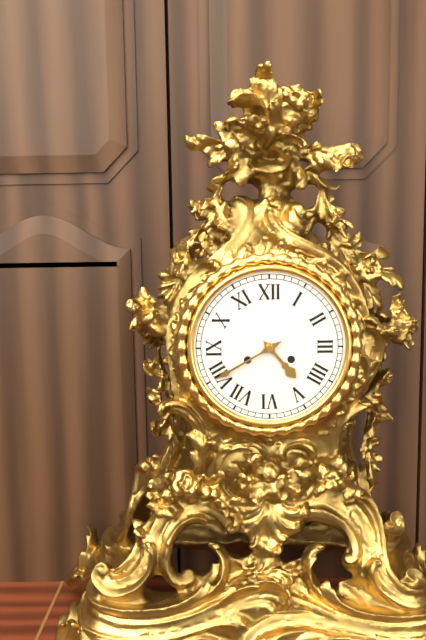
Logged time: 4,40
